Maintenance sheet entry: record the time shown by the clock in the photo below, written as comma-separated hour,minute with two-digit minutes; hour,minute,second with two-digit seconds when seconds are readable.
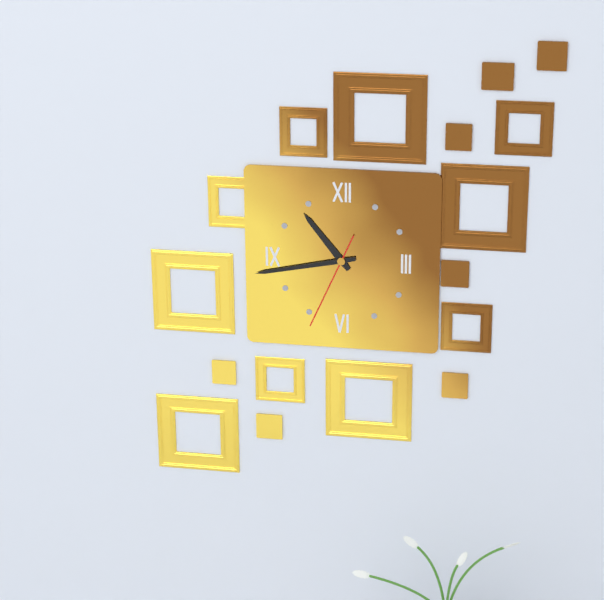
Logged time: 10,43,34
